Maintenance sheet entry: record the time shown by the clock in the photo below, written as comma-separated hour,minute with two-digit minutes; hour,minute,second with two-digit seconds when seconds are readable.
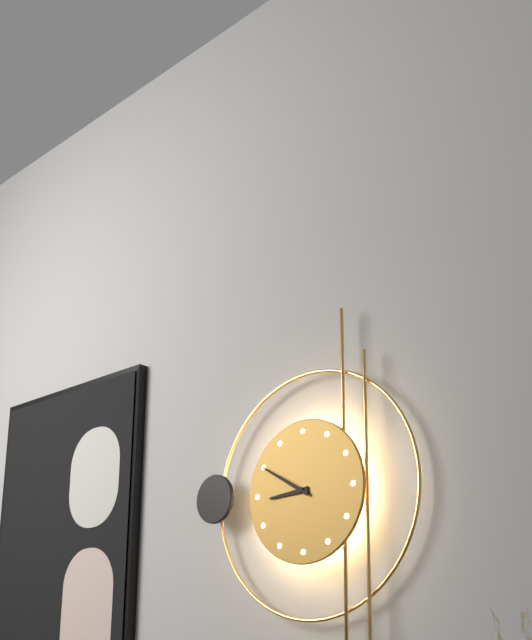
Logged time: 8,50
